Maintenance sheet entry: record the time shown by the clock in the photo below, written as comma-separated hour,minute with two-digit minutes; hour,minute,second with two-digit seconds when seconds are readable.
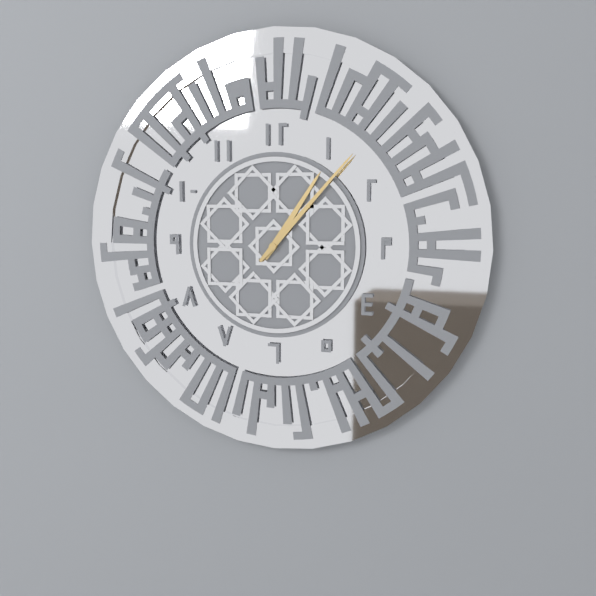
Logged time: 1,07
